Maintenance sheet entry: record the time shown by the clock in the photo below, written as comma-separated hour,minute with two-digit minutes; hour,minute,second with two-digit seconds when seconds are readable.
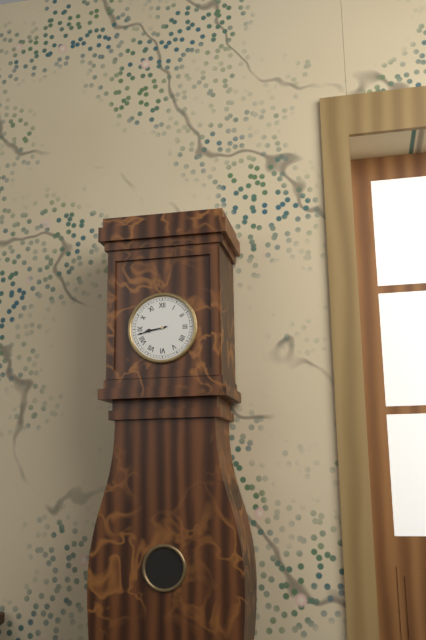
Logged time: 8,43
